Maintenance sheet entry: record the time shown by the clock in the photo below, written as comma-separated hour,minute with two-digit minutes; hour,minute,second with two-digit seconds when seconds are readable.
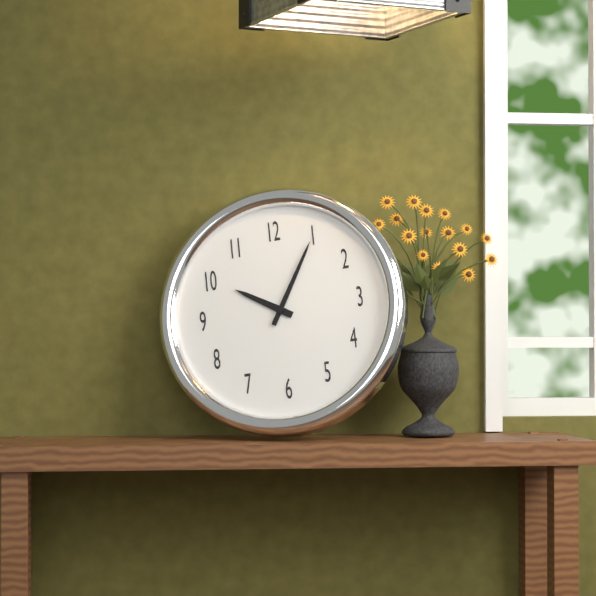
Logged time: 10,05
